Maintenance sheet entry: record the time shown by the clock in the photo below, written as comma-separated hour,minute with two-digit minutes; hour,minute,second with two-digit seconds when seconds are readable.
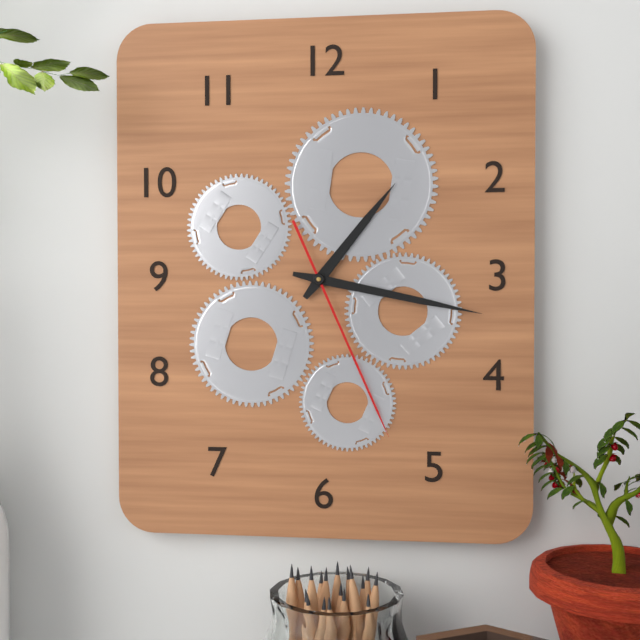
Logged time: 1,17,26
